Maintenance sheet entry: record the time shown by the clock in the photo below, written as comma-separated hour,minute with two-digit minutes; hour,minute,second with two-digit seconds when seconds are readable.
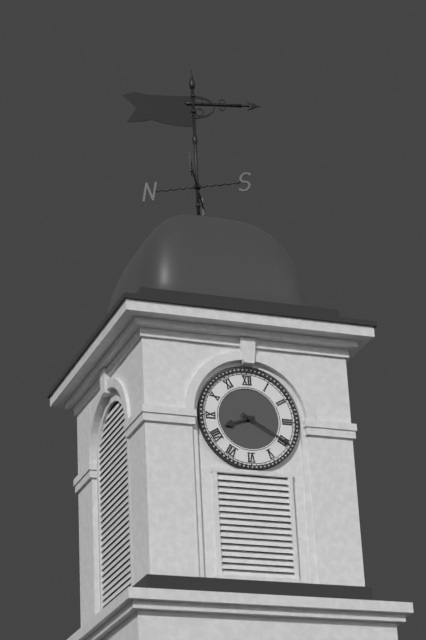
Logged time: 8,20
